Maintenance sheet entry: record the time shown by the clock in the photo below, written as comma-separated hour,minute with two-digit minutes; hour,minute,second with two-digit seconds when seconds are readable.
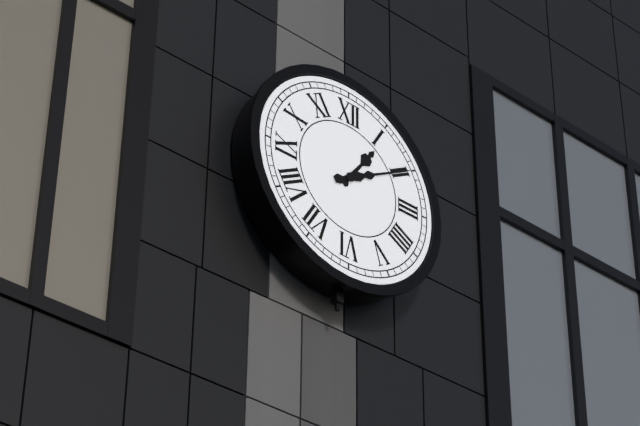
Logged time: 1,10
